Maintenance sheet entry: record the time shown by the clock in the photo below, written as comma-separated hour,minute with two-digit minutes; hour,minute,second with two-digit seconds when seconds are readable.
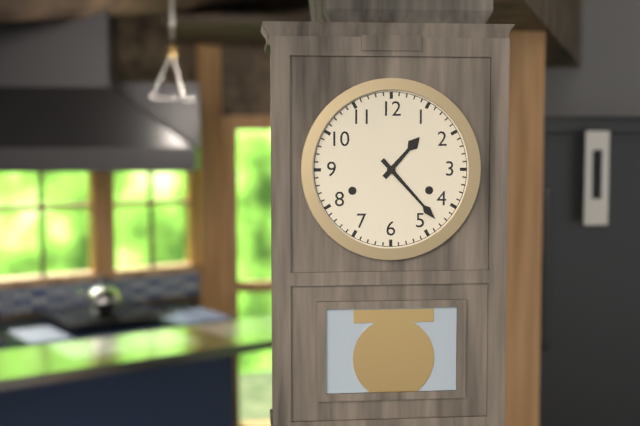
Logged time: 1,23
